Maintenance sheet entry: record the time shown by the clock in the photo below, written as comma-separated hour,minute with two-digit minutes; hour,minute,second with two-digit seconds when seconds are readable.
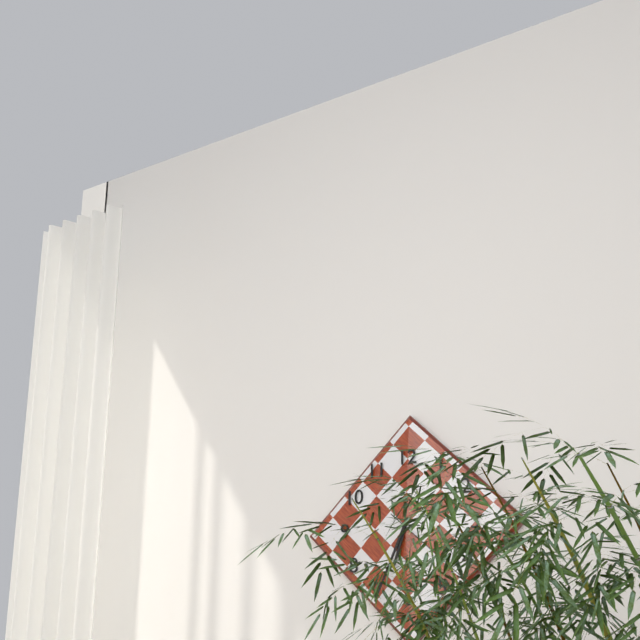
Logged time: 6,34
